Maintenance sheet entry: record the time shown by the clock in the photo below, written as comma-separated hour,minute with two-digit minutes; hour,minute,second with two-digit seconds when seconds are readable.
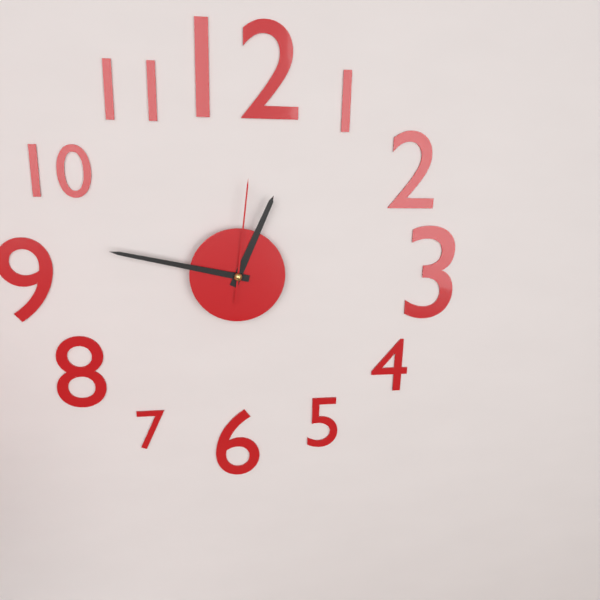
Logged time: 12,47,01
